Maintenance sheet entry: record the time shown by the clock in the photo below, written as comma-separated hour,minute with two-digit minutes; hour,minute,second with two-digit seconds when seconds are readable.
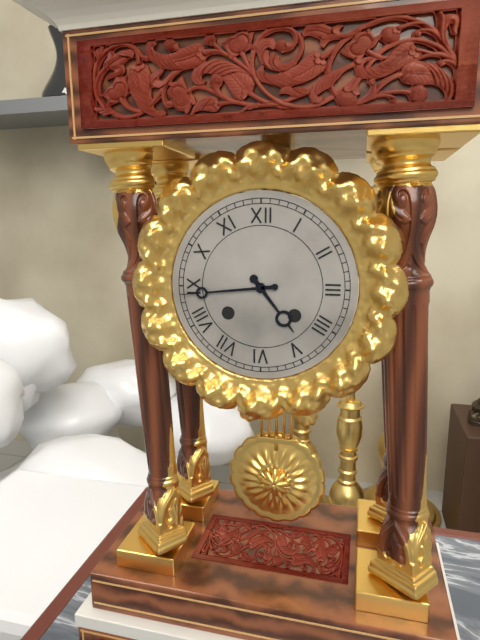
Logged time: 4,44
